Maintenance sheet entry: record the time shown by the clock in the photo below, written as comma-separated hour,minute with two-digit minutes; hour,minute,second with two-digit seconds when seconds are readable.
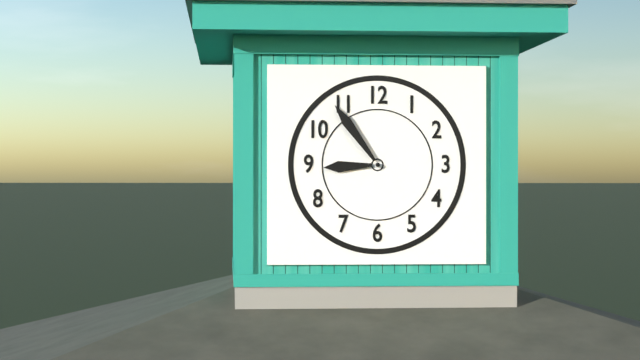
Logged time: 8,54
